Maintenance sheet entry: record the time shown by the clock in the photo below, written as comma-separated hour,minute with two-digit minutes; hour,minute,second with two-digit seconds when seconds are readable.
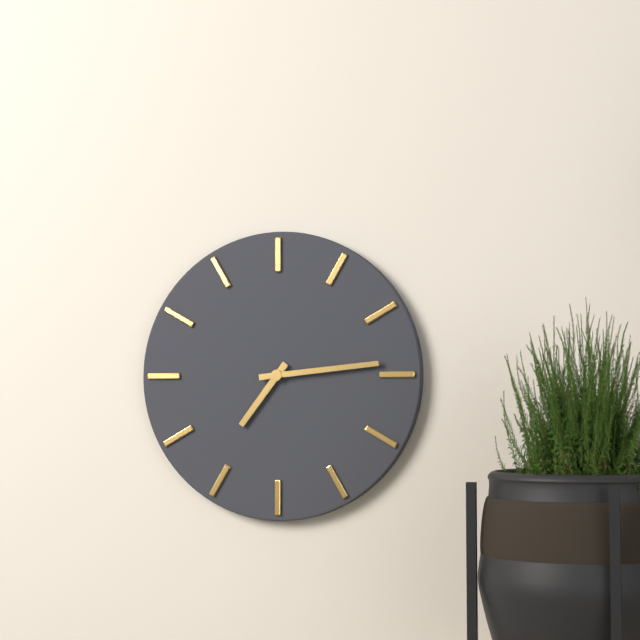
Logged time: 7,14
